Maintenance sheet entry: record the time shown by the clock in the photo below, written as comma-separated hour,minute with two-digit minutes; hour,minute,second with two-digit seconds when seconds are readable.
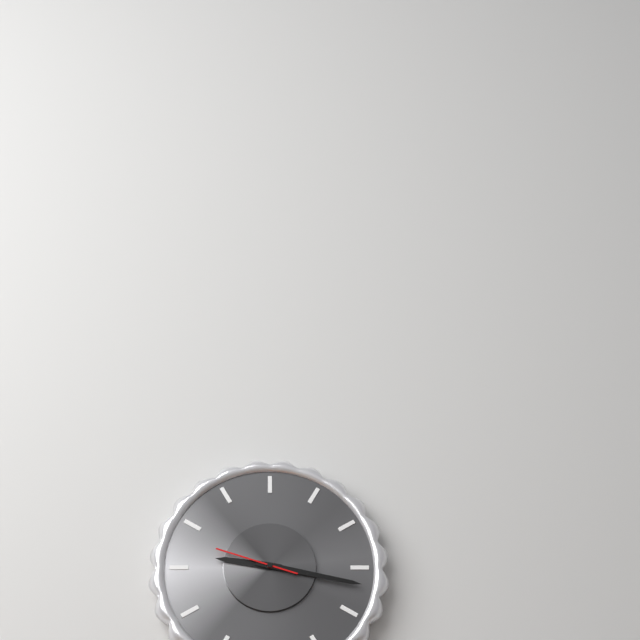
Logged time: 9,17,48
